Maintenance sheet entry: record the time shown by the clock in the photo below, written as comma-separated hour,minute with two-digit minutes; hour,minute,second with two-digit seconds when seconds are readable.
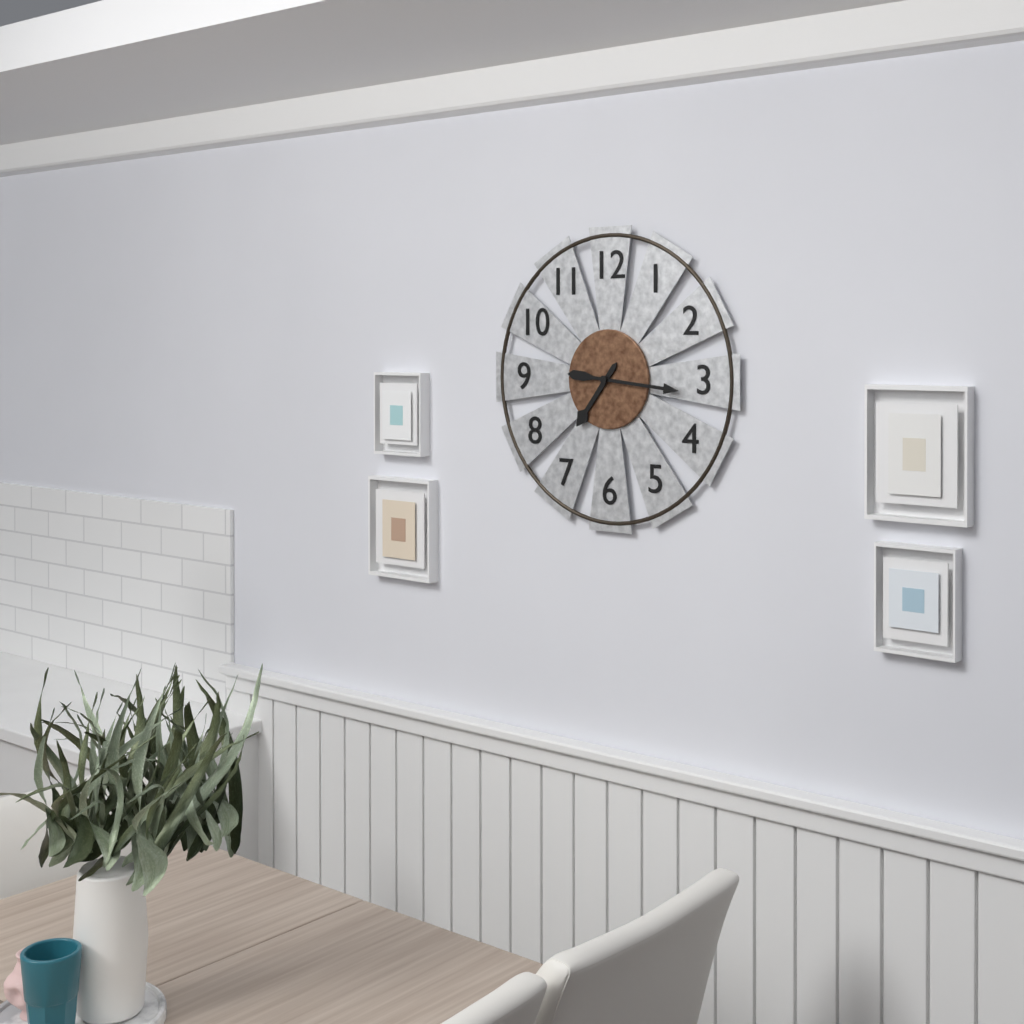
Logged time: 7,16
